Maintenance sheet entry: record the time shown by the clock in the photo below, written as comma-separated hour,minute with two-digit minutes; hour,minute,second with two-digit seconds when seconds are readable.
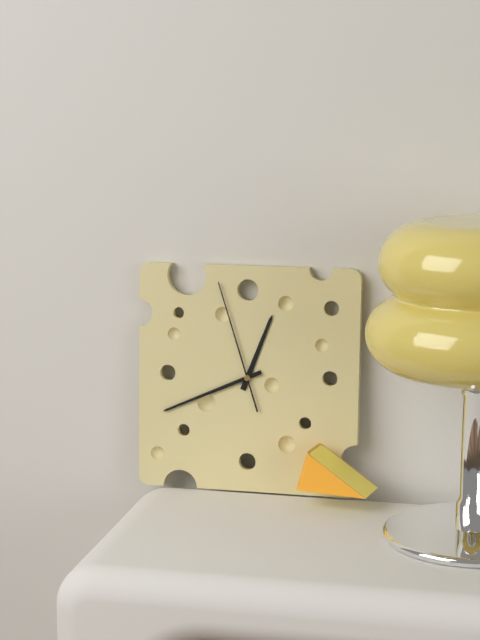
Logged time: 12,41,57
